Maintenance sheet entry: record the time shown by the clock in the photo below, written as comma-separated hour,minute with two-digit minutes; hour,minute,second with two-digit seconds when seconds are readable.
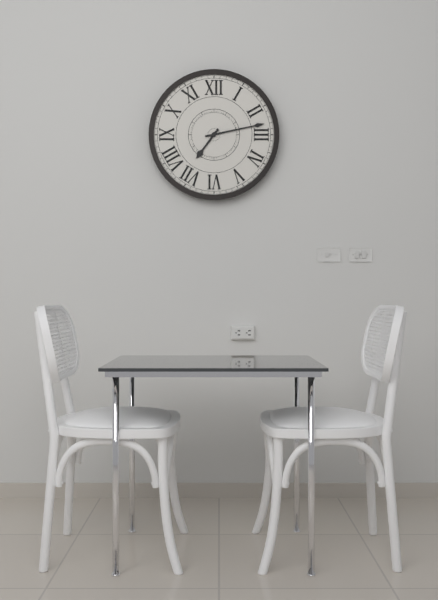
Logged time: 7,13
